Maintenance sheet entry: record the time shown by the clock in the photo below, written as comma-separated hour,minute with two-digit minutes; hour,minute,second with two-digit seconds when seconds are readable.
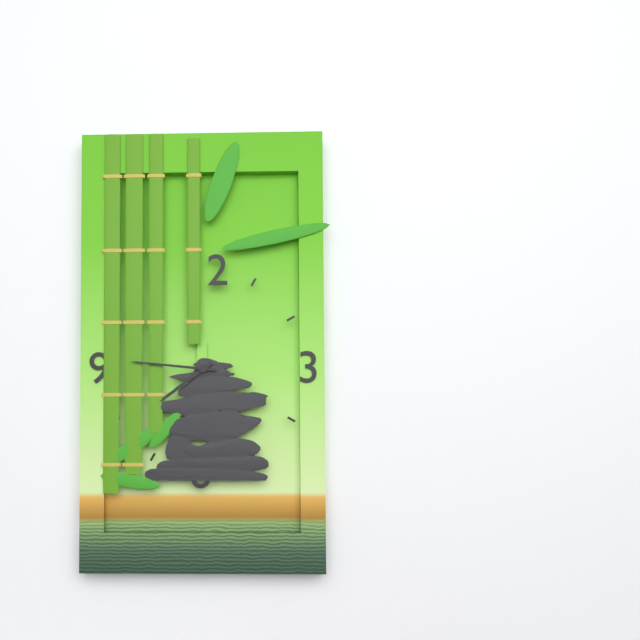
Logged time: 7,46
